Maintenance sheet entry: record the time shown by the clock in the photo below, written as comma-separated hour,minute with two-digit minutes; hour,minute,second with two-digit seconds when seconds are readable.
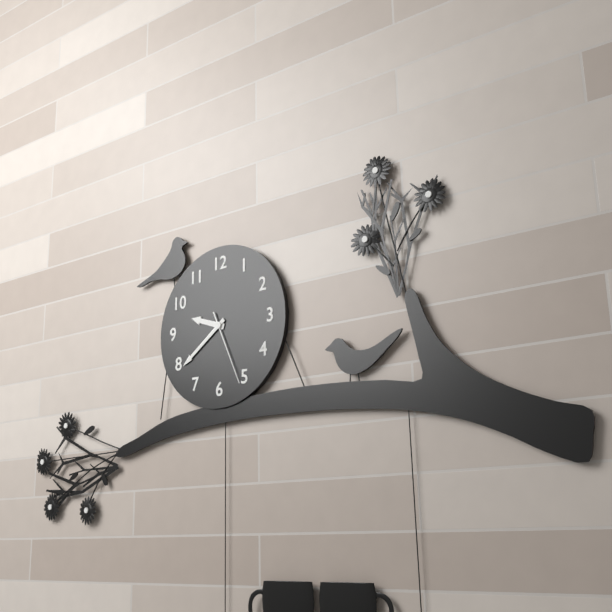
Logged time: 9,39,26
